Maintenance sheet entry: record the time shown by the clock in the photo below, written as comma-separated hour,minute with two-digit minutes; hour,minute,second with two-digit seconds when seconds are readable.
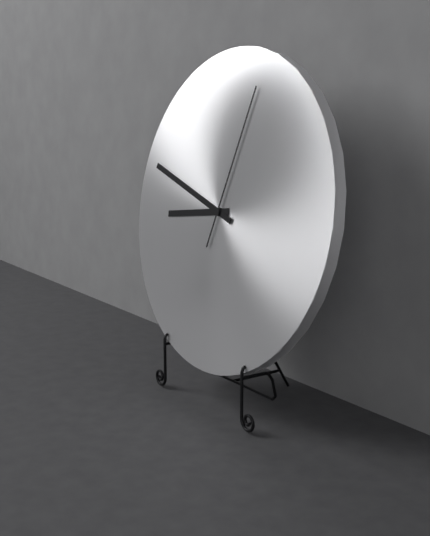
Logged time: 8,48,03
